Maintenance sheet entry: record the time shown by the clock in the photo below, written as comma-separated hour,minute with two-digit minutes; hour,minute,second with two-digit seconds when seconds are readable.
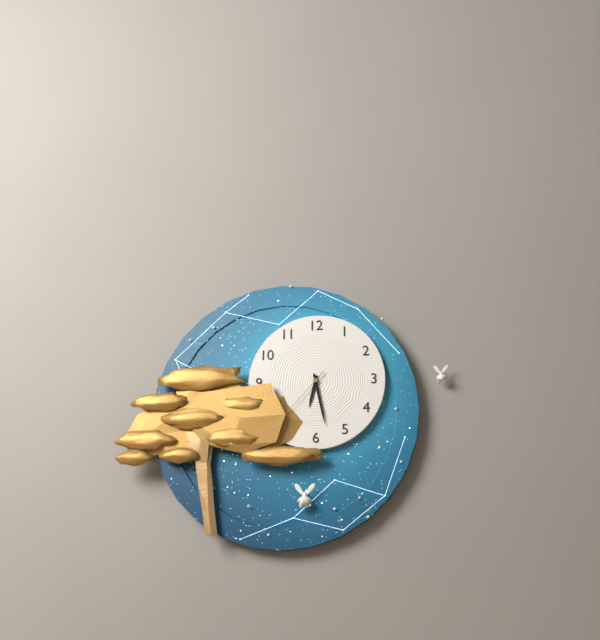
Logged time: 6,28,37
